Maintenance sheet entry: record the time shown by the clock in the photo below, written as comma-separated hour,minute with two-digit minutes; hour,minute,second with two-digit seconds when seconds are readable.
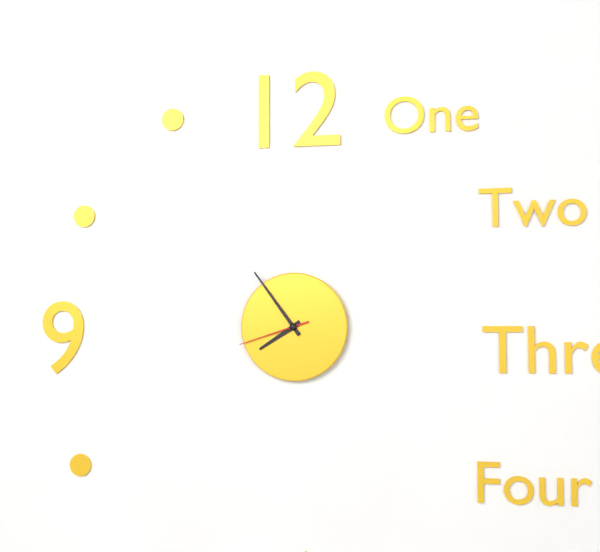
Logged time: 7,54,42
